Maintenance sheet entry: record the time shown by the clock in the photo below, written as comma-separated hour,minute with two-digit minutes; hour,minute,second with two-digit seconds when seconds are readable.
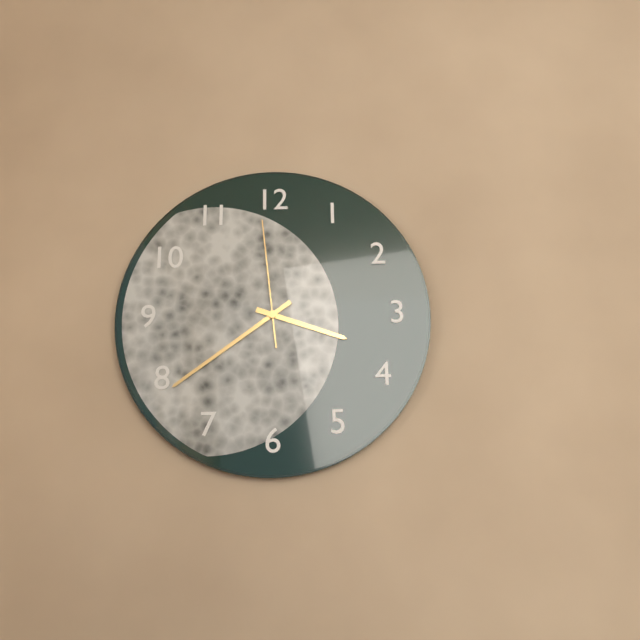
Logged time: 3,39,59
